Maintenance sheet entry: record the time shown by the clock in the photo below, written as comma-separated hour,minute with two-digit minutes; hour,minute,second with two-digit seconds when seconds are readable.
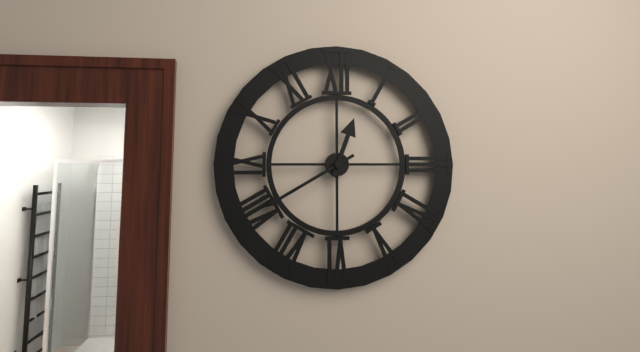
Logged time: 12,40
